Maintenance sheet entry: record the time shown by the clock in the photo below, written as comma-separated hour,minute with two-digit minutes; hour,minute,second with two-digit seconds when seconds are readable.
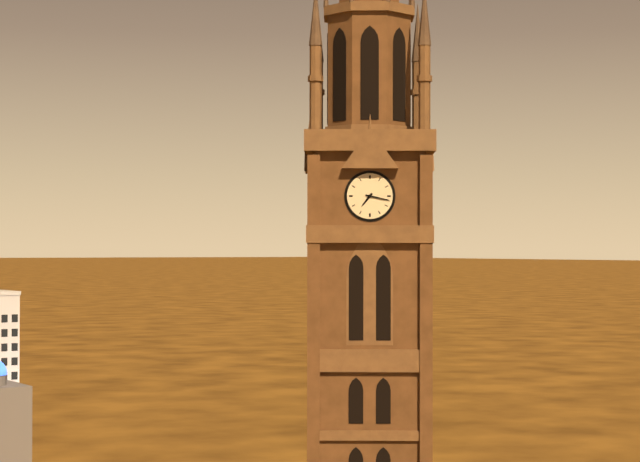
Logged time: 7,17
